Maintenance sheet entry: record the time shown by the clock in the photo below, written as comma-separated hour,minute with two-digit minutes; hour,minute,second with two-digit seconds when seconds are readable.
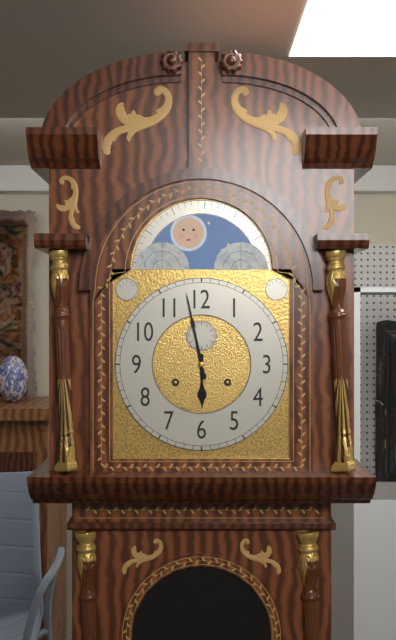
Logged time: 5,58
